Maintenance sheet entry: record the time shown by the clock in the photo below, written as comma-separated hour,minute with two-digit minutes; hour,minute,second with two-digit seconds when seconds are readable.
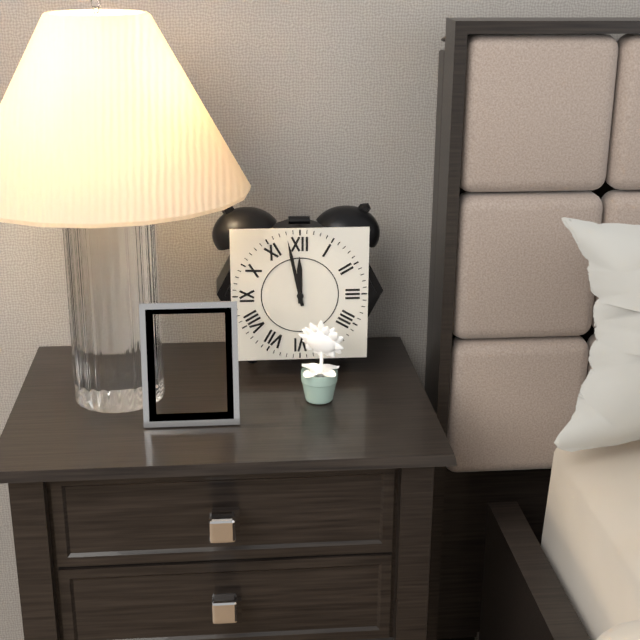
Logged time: 11,58
